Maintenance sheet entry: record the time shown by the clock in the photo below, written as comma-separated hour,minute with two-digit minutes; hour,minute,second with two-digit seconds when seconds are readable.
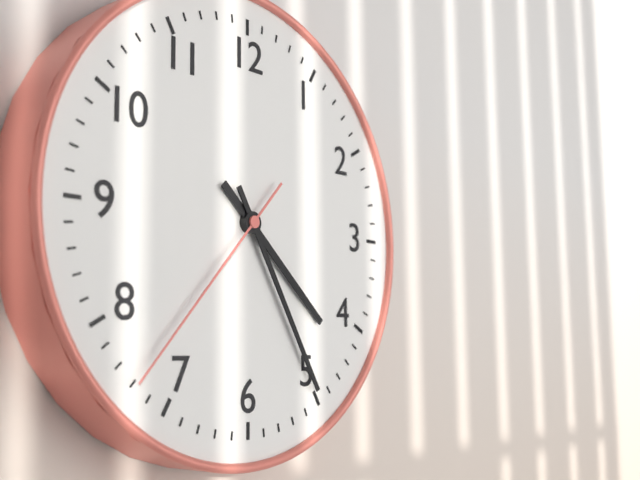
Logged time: 4,25,37
